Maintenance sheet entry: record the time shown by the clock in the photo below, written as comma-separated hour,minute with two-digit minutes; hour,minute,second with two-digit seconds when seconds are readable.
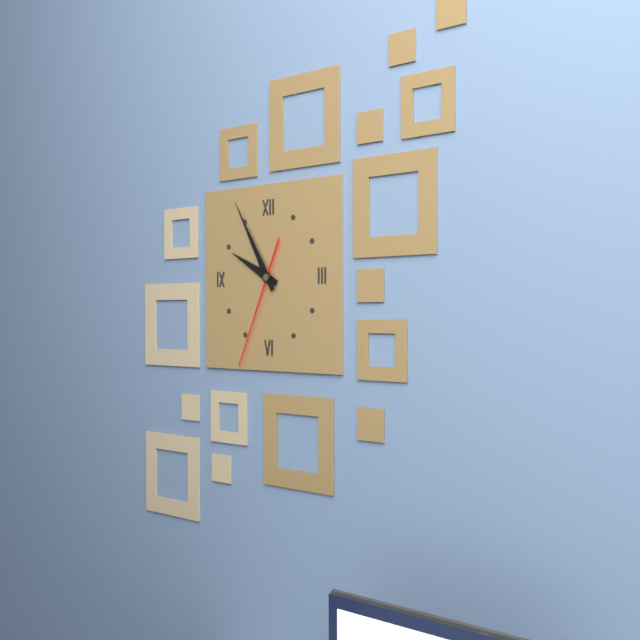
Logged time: 9,55,34
